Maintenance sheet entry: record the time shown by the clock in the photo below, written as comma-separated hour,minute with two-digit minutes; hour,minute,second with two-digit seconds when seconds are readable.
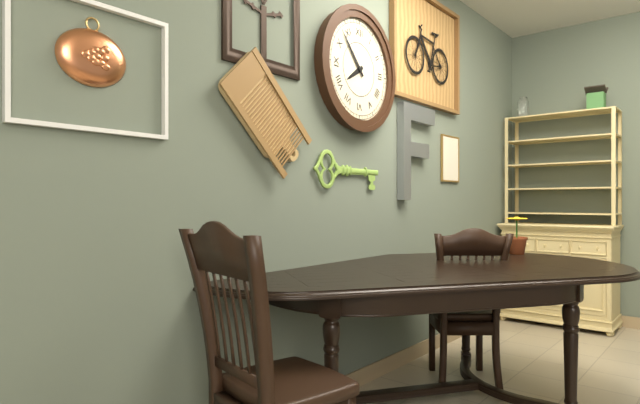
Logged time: 7,53
